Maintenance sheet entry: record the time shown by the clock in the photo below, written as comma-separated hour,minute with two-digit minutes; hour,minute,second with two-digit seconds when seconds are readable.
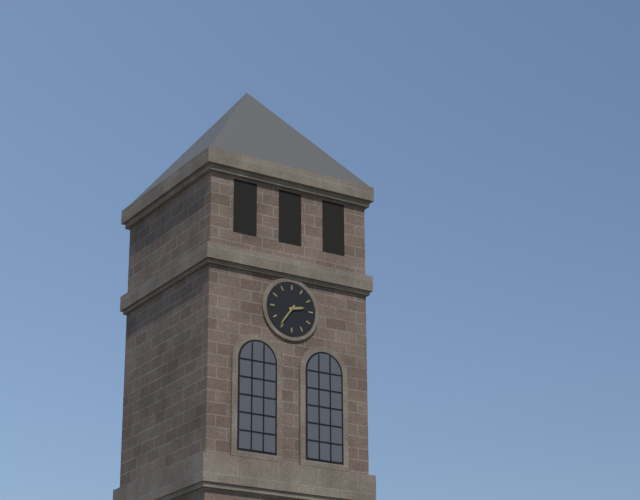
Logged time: 2,36
